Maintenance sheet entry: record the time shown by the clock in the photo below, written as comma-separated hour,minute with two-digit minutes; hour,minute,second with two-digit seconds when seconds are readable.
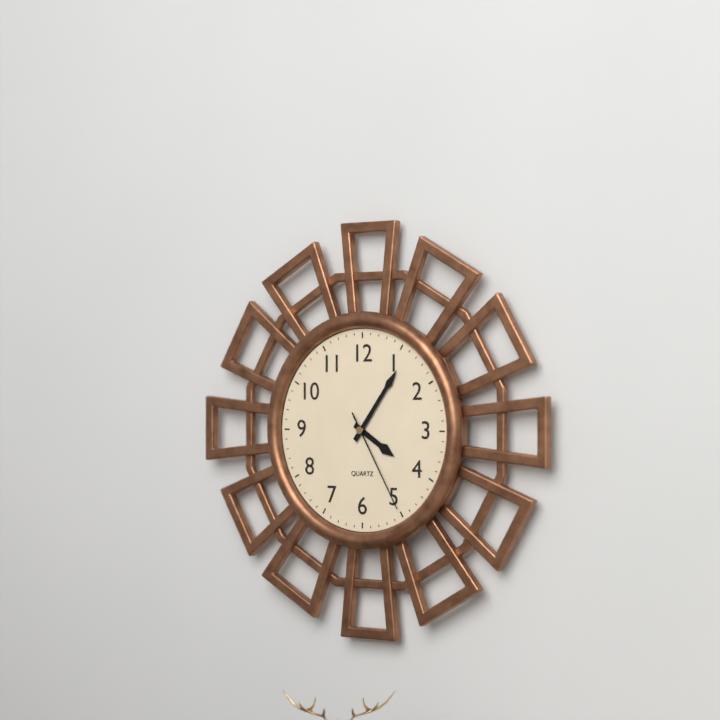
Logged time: 4,06,25
